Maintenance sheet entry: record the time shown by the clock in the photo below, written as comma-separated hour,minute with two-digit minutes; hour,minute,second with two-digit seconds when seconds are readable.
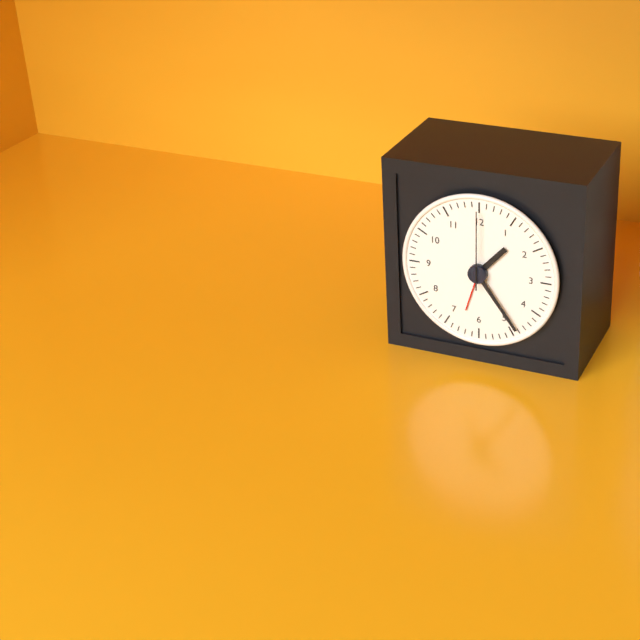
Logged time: 1,24,00
